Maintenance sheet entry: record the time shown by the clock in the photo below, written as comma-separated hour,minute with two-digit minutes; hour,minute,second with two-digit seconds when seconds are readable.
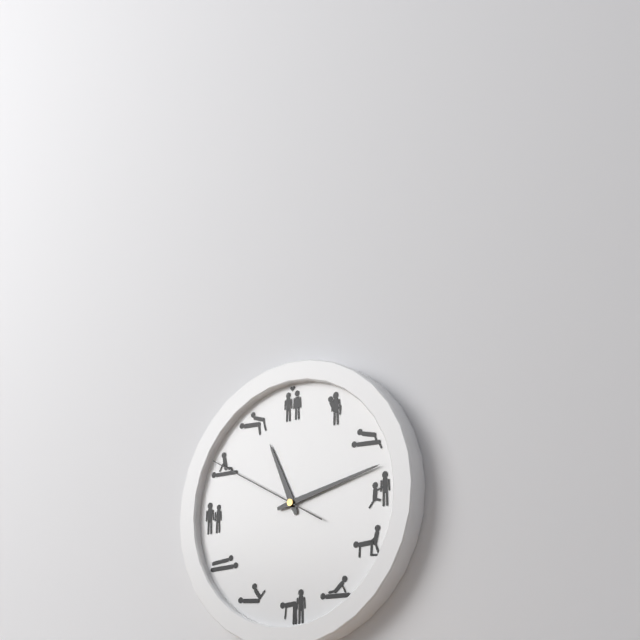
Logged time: 11,13,50
